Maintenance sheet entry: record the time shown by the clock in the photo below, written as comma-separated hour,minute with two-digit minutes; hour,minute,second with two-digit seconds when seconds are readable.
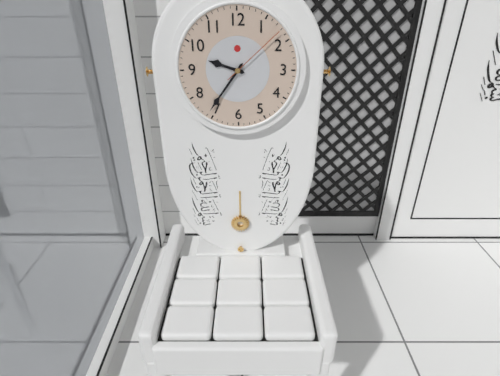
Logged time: 9,36,08
